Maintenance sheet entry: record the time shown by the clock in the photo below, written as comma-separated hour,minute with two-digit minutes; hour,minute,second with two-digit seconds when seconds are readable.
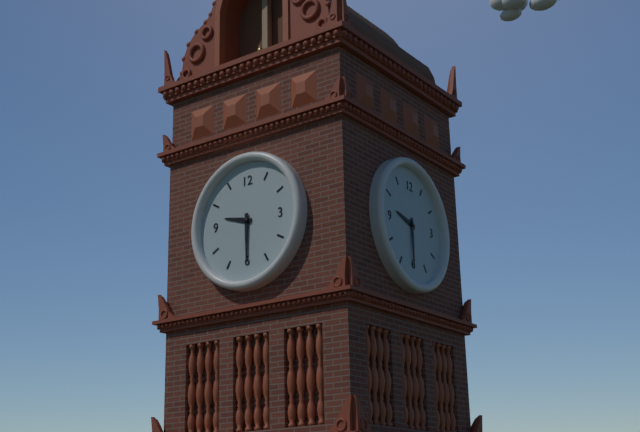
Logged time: 9,30
